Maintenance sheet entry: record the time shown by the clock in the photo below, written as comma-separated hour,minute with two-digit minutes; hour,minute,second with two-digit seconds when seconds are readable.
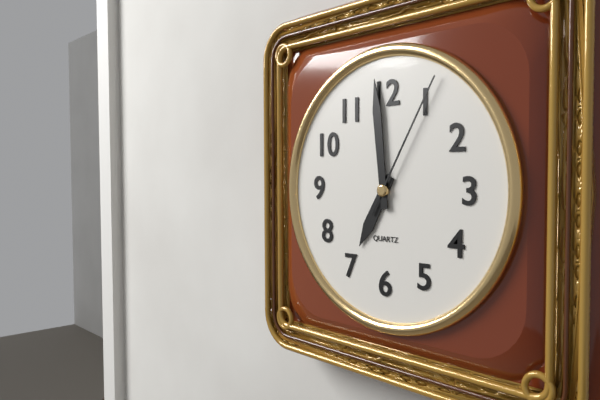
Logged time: 6,59,05
